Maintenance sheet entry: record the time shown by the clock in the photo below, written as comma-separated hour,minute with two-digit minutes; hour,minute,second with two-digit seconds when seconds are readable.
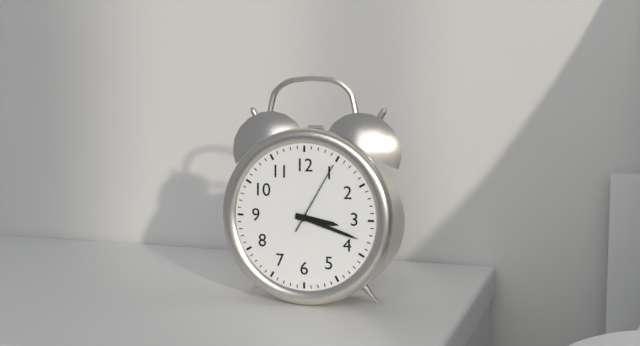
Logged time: 3,18,05
